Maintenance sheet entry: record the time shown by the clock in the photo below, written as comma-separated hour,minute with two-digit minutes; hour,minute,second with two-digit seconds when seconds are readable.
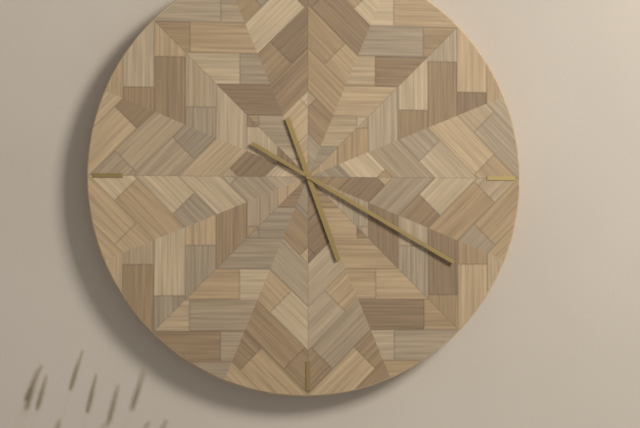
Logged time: 5,20
